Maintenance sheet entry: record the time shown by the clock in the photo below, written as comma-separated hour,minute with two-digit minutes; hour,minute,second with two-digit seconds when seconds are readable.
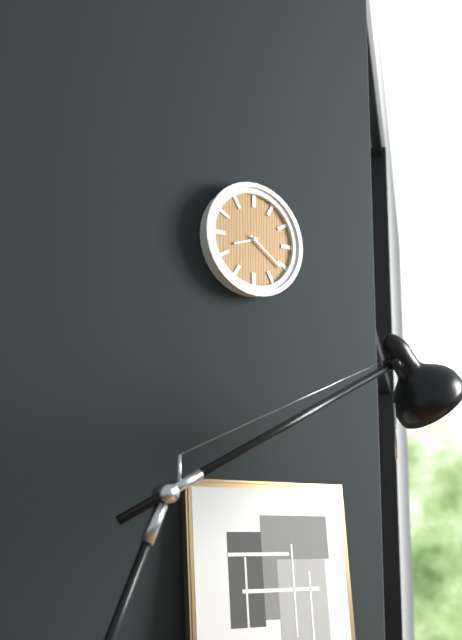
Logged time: 8,21
